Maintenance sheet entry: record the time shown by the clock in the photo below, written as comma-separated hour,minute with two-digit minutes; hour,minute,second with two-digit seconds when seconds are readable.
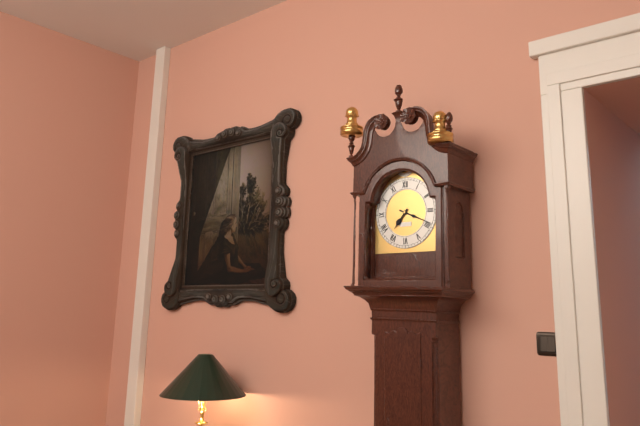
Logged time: 7,19
